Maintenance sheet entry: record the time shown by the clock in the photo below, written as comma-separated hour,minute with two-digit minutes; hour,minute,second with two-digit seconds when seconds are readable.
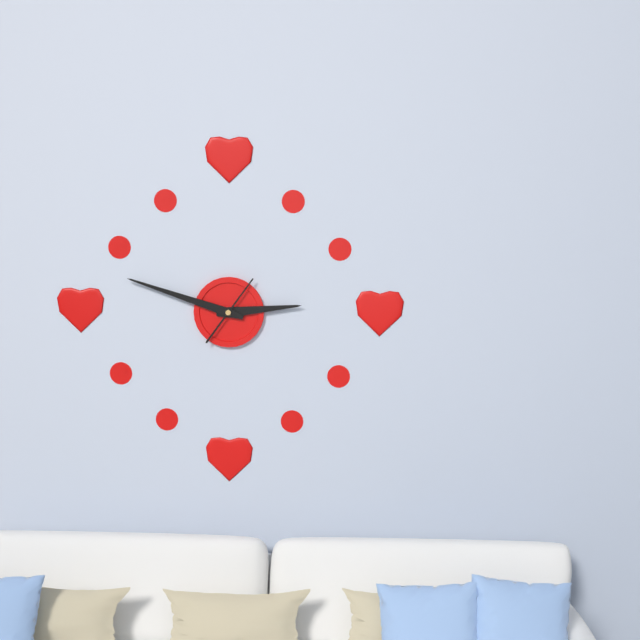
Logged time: 2,48,06
